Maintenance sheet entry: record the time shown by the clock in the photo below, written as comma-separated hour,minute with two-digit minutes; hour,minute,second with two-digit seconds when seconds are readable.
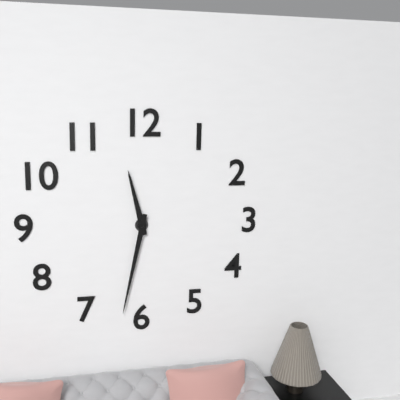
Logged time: 11,32
